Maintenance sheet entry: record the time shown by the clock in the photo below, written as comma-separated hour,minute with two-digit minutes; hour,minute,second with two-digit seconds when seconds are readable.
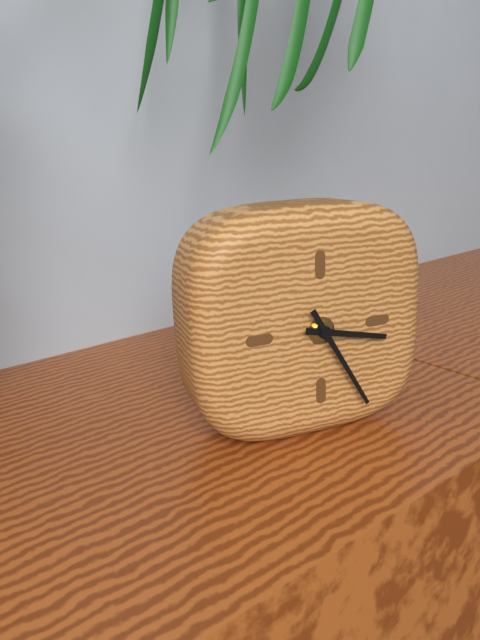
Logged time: 3,25
